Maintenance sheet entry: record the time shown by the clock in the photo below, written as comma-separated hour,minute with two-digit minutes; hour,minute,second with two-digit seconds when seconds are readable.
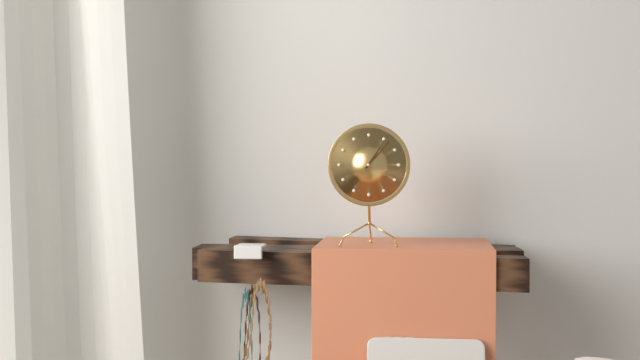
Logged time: 1,07
